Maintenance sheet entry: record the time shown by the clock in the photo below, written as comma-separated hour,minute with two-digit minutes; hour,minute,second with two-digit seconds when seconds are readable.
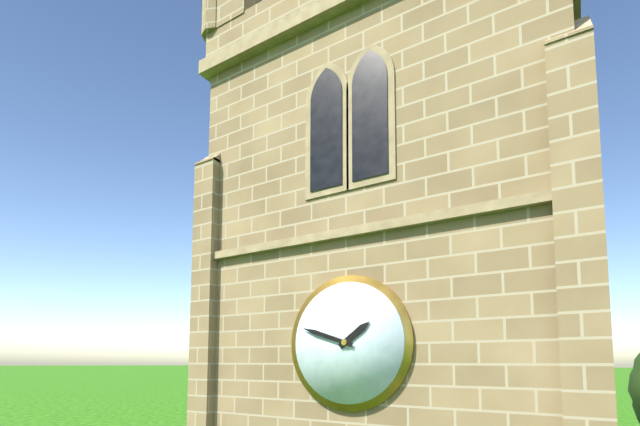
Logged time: 1,48
